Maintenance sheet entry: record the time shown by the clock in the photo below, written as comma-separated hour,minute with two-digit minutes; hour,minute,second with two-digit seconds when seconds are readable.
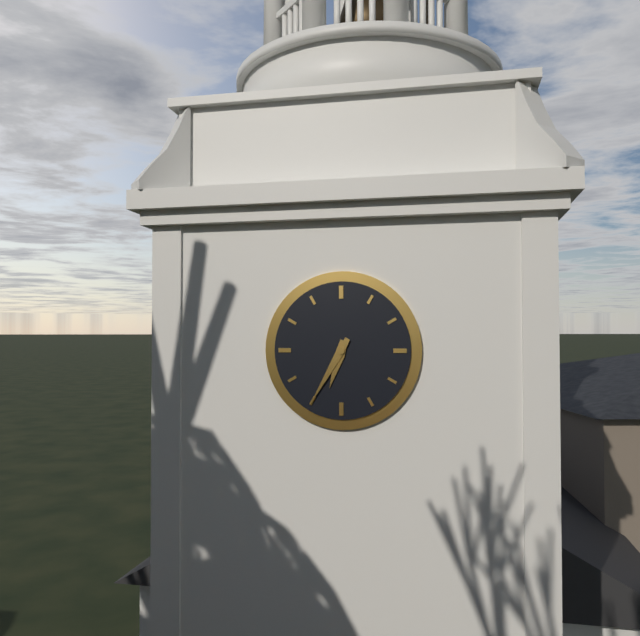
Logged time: 6,35
